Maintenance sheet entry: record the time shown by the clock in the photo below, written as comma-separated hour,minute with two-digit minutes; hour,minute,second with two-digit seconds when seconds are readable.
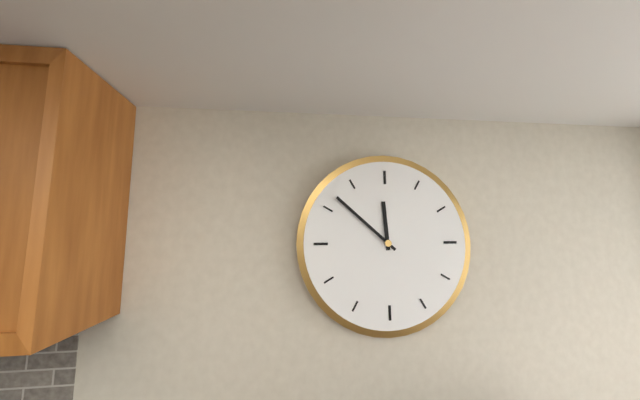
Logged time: 11,52
